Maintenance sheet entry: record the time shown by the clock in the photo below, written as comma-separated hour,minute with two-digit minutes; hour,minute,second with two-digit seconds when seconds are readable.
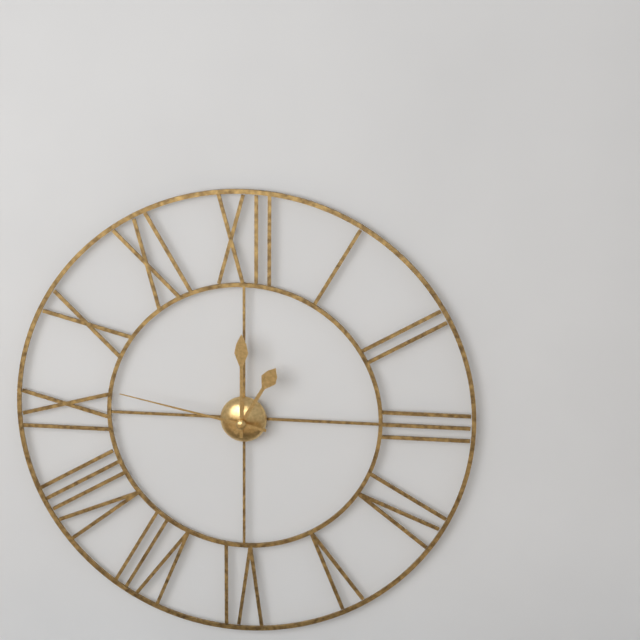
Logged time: 1,00,47
